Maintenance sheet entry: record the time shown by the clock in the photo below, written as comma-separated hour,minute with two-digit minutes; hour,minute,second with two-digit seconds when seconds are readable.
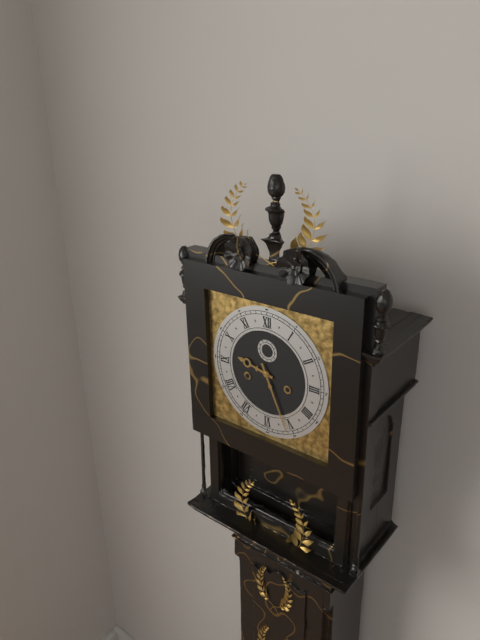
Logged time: 9,26
